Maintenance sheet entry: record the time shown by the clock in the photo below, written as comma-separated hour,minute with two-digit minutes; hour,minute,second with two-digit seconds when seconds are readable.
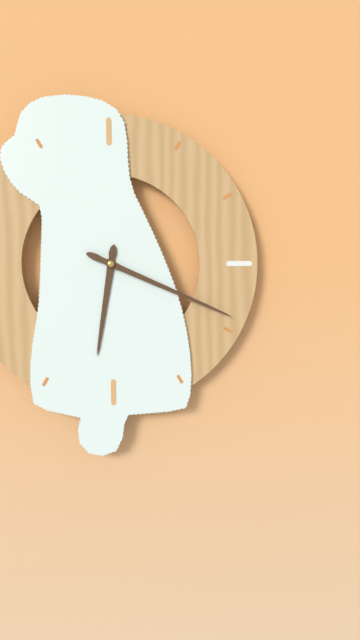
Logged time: 6,19
